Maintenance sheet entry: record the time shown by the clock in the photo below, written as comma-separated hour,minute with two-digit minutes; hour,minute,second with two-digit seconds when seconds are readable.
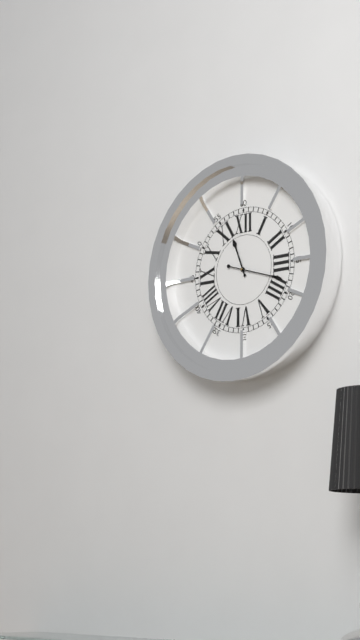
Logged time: 11,18
